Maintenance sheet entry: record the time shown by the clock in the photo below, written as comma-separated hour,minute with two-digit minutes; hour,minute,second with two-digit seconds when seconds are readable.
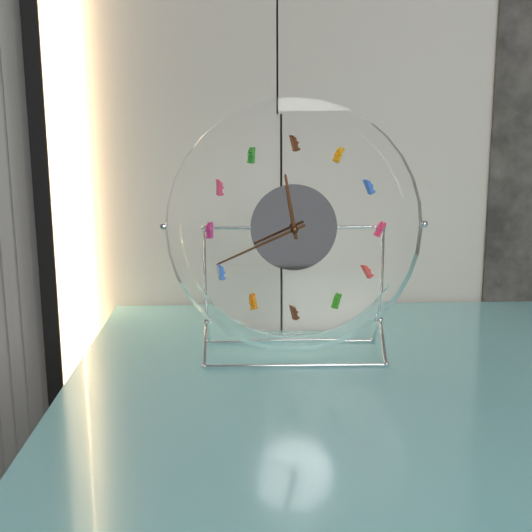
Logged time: 11,41
